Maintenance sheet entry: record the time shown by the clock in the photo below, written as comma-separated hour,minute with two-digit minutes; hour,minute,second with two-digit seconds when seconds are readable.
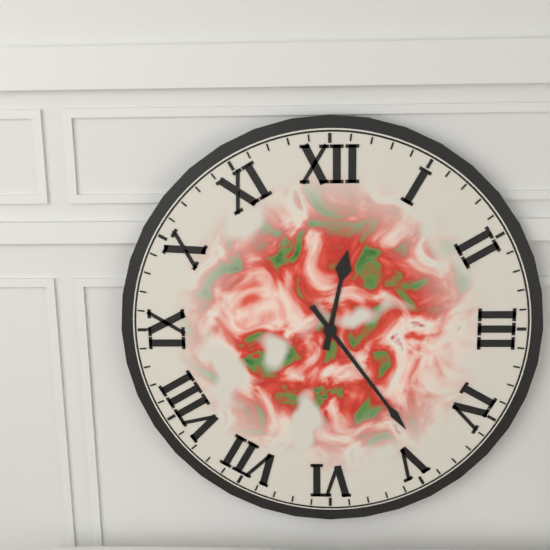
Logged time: 12,24
